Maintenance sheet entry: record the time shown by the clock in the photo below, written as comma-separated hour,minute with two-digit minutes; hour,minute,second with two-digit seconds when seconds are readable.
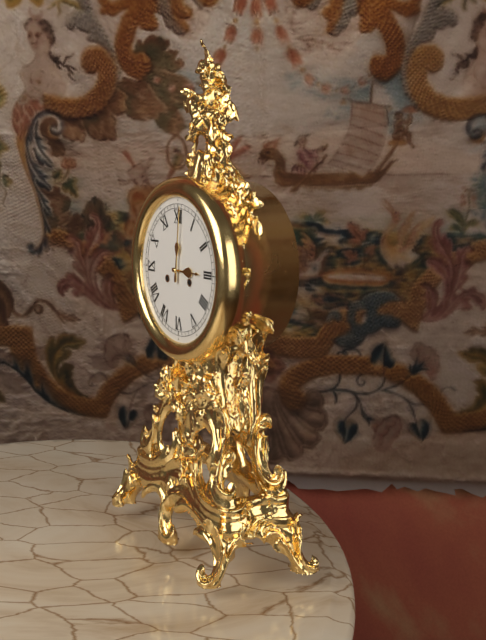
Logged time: 3,01
